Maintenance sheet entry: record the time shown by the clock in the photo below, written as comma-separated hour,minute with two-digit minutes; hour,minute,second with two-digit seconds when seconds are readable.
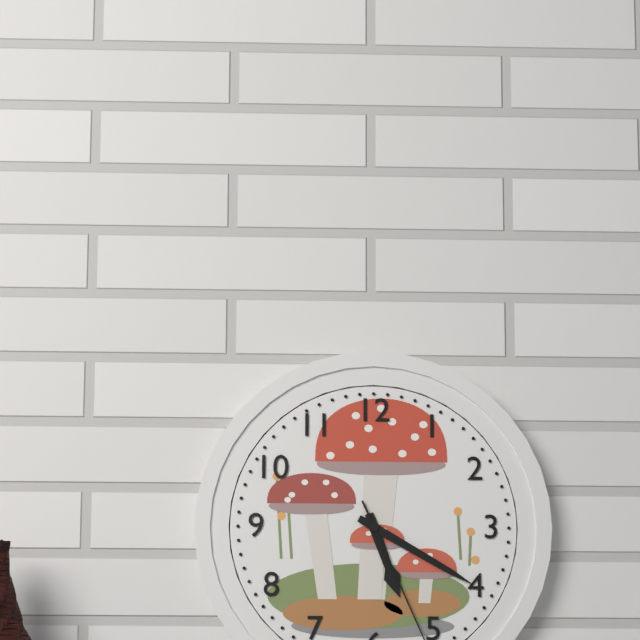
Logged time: 5,20
